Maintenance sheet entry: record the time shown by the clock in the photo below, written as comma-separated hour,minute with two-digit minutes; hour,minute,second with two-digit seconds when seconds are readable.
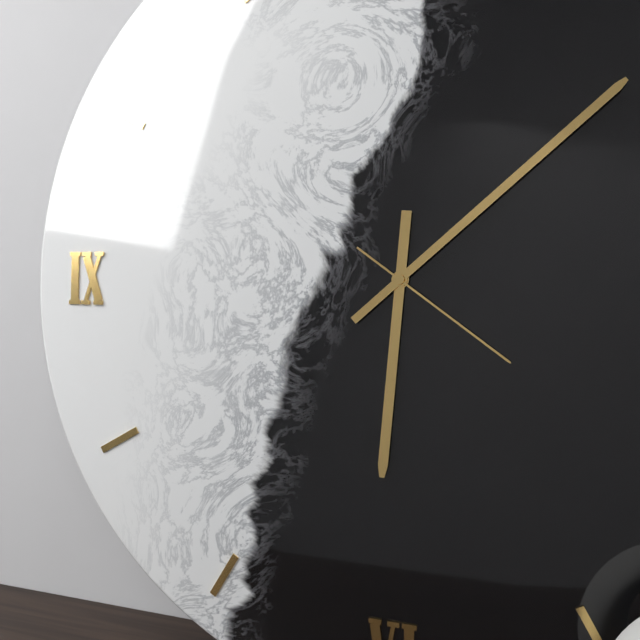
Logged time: 6,08,21
